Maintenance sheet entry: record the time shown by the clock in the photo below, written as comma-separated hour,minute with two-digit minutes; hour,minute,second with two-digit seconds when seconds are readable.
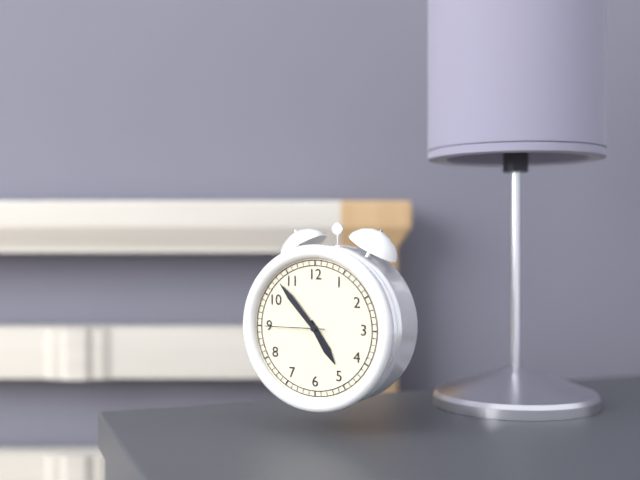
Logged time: 4,53,45
